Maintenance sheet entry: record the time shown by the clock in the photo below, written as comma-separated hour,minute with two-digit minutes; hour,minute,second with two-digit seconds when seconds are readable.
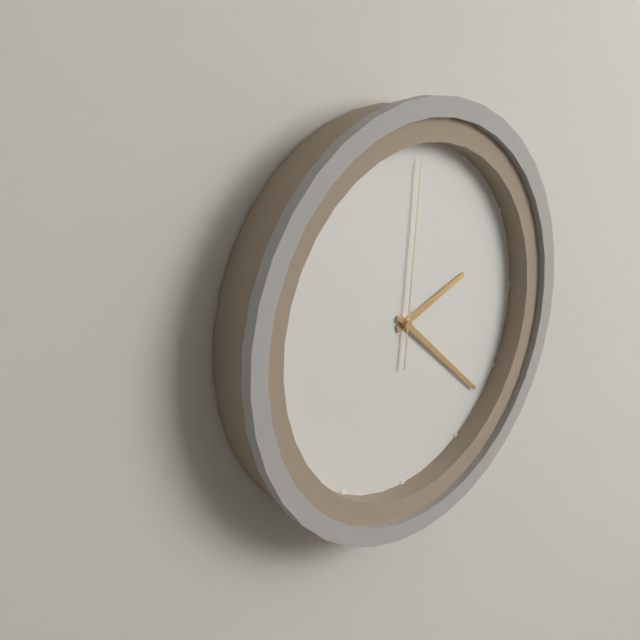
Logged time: 2,22,01
